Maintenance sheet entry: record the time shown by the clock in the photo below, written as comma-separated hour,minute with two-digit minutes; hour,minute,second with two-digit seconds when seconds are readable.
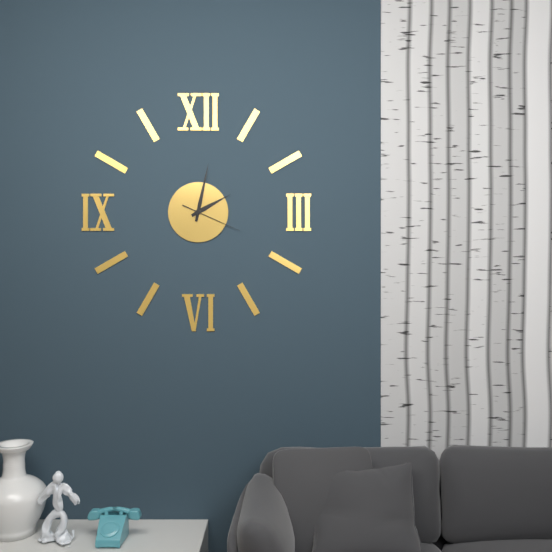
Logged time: 2,02,19
